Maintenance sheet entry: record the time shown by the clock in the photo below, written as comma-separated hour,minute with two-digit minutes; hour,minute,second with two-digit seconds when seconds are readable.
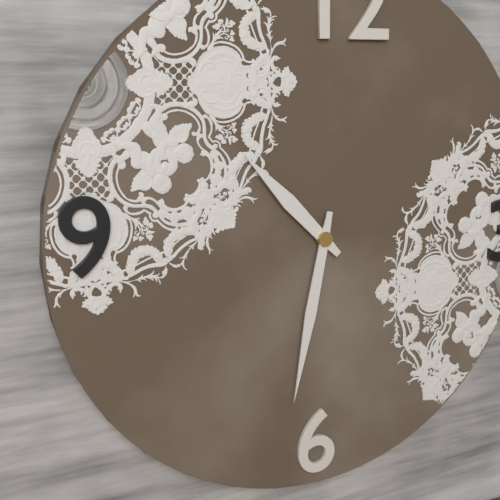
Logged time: 10,32
